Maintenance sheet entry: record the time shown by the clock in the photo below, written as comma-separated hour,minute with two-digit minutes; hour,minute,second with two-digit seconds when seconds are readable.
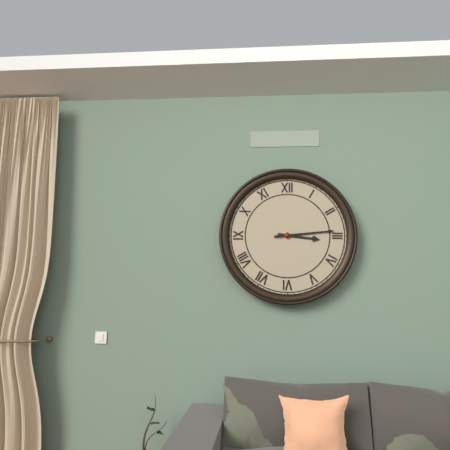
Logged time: 3,14
